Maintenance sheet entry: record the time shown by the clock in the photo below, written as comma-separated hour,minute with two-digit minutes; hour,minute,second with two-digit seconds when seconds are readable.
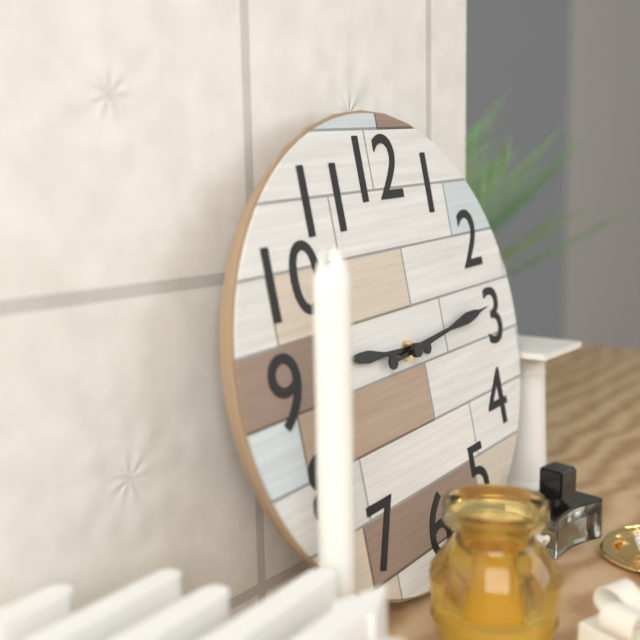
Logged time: 9,14
